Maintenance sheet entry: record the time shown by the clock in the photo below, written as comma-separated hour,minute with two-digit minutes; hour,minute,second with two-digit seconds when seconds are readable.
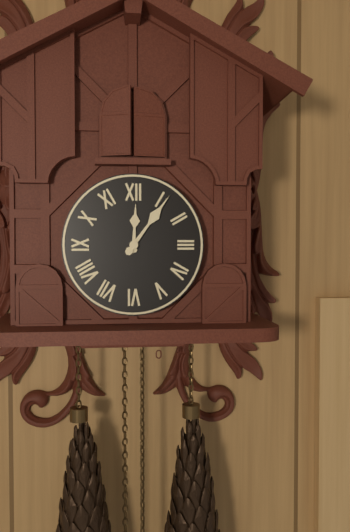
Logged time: 12,06
